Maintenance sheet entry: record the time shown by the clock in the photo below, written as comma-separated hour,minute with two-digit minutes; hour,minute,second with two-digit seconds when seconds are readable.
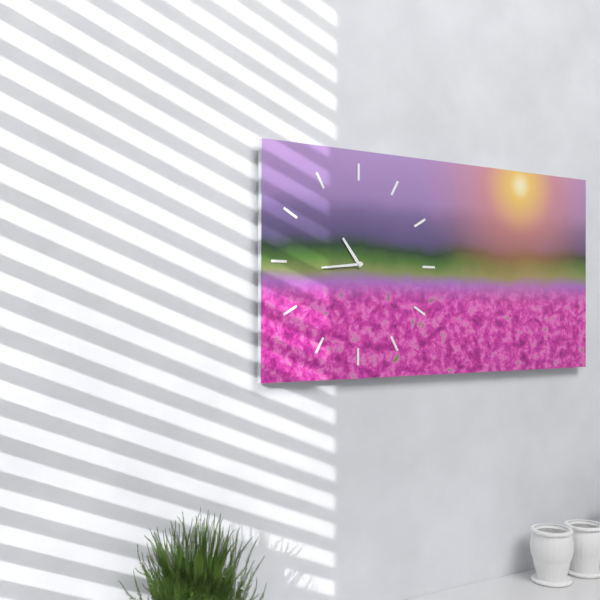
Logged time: 10,44
